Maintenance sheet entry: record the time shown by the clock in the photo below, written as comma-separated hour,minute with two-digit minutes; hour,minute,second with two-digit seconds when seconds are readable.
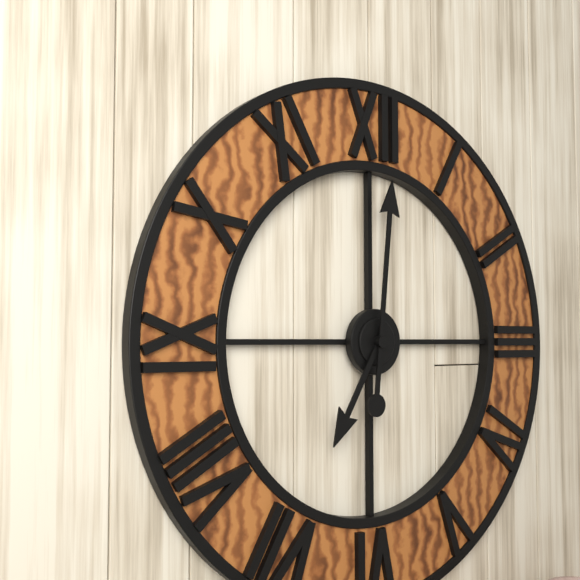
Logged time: 7,01
